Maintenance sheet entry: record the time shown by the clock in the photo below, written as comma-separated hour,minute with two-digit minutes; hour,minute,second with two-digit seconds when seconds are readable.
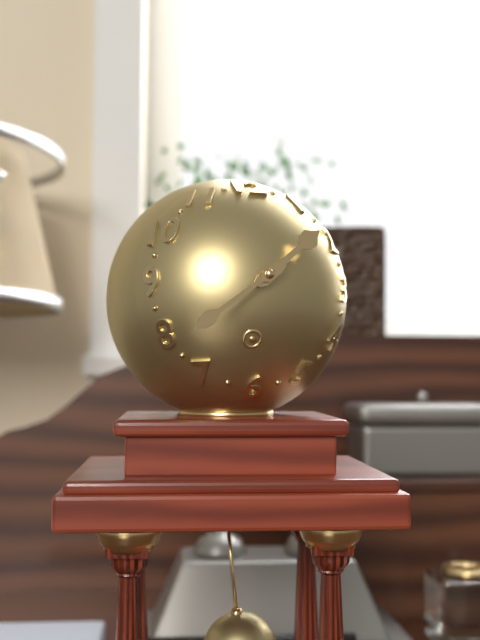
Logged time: 1,39
